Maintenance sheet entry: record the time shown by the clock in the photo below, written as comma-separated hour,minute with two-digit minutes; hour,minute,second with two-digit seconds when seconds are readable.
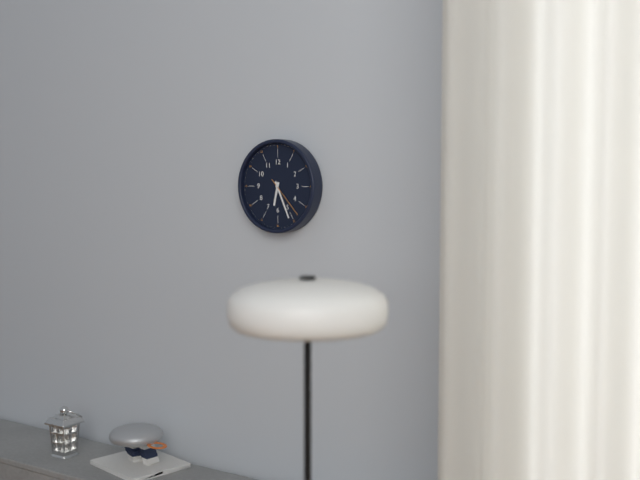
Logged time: 6,26
